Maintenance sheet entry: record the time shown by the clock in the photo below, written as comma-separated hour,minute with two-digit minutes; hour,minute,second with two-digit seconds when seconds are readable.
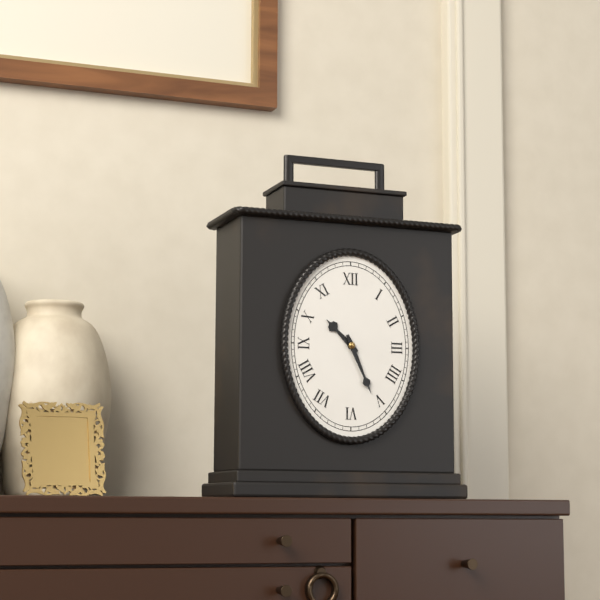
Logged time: 10,26
